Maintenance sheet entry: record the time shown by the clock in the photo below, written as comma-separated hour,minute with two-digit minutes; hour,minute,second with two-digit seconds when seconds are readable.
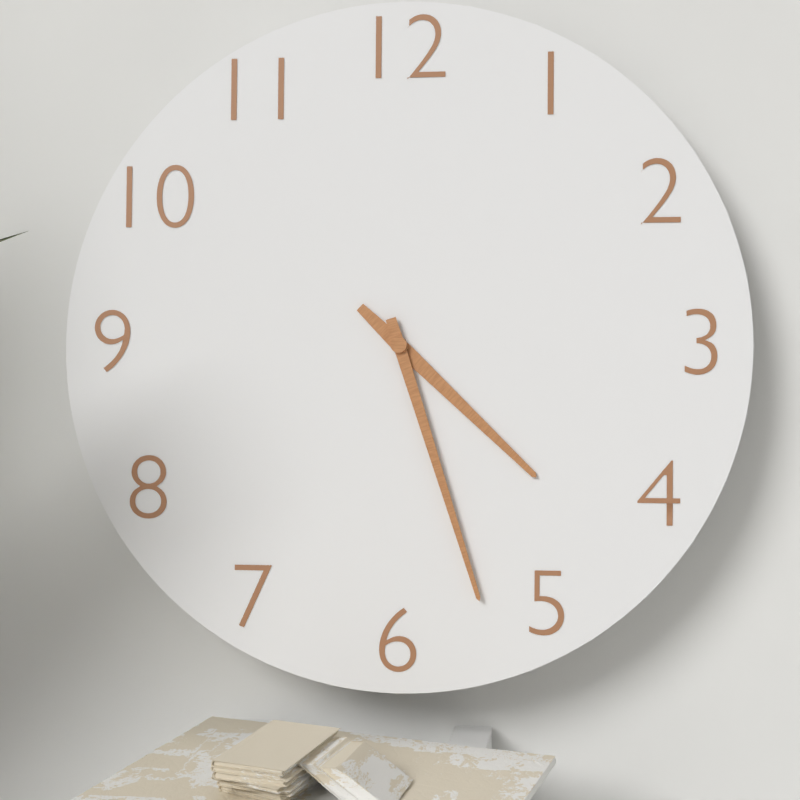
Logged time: 4,27
